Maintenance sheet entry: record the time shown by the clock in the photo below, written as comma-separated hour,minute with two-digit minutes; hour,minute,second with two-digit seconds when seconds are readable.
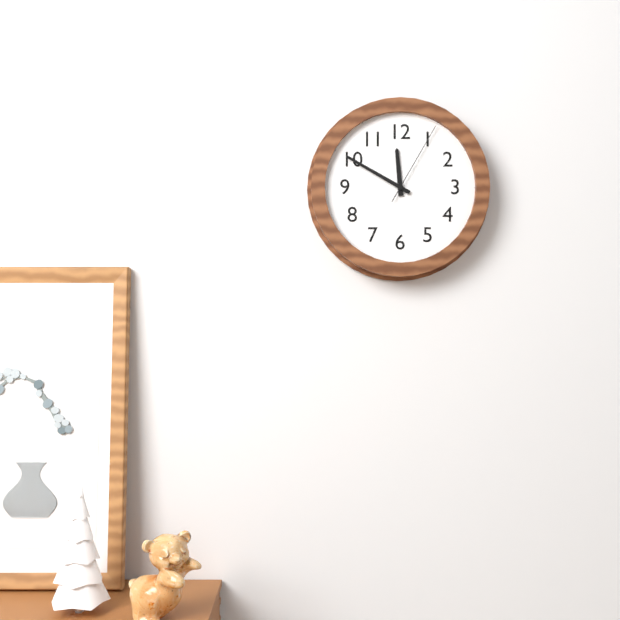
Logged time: 11,50,05
